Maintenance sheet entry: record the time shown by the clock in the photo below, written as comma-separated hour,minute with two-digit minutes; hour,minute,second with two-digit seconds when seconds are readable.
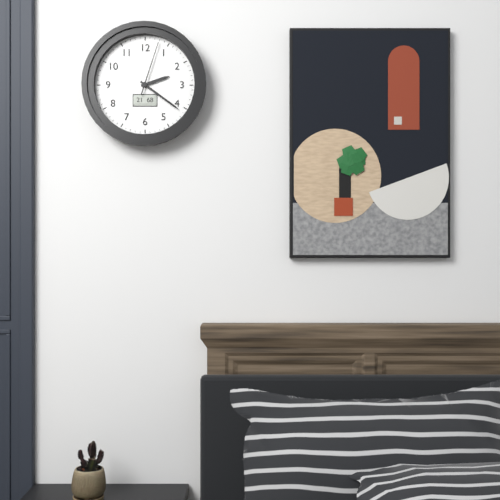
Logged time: 2,21,03
